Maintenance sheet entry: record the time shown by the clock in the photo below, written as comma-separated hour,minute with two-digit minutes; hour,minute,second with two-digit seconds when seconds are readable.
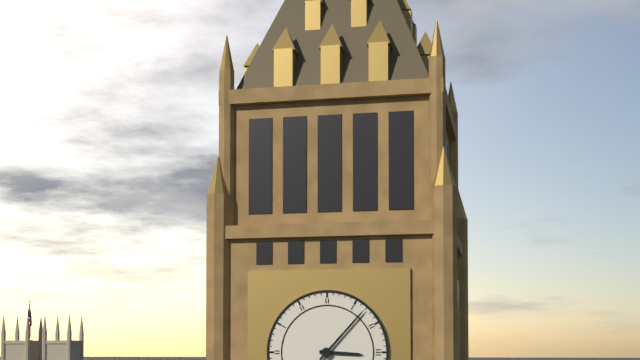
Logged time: 3,07
